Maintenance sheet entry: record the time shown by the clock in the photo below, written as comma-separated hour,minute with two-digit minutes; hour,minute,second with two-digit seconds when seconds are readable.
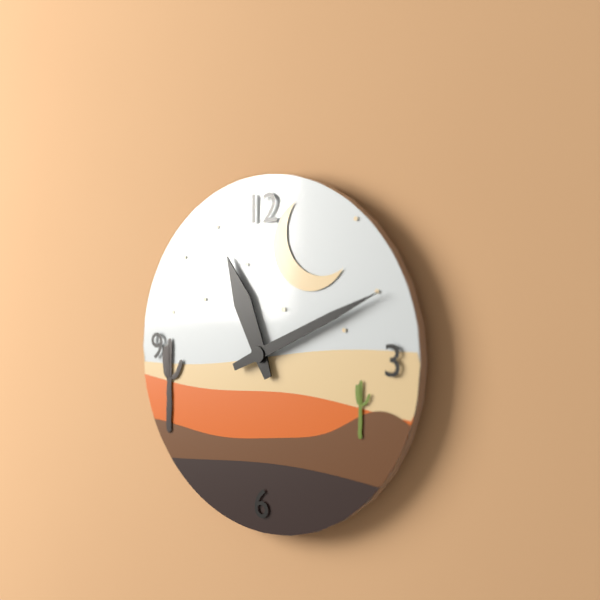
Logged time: 11,11
